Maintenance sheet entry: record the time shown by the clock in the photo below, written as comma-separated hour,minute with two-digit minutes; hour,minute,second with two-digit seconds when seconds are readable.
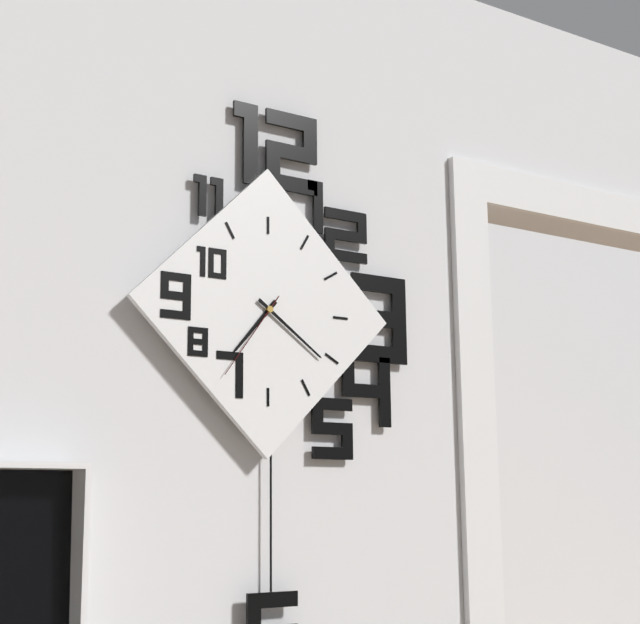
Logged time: 7,21,36
